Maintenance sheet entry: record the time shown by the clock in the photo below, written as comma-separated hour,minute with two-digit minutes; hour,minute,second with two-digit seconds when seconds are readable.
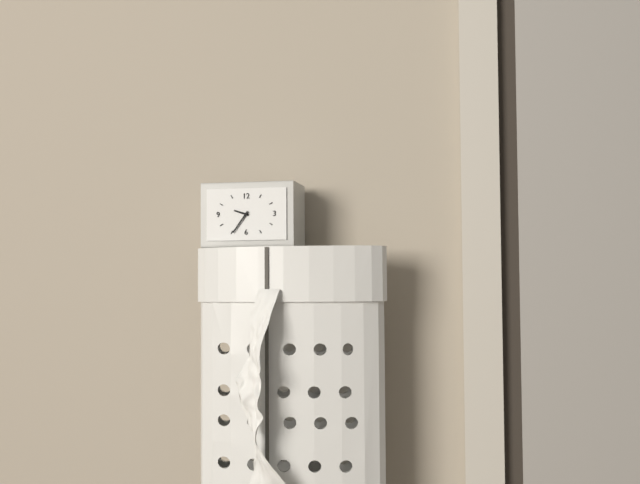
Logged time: 9,36
